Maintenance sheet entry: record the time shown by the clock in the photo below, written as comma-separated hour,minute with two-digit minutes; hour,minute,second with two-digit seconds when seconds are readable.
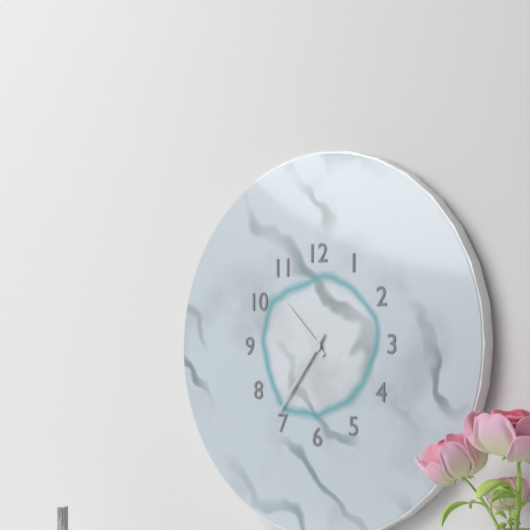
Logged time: 10,36
